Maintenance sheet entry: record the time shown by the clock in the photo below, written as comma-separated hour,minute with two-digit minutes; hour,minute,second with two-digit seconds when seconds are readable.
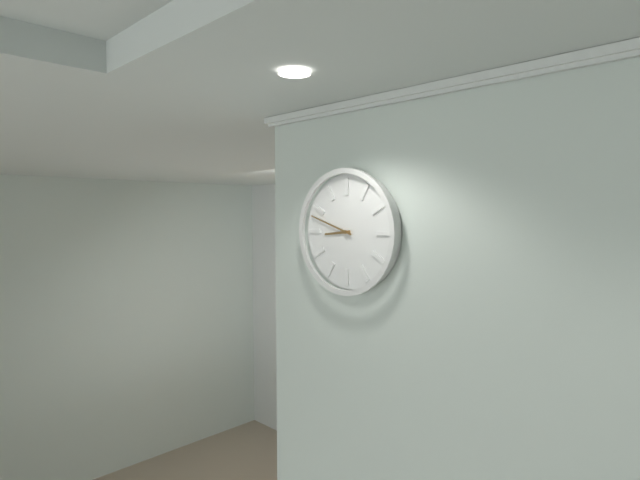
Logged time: 8,48
